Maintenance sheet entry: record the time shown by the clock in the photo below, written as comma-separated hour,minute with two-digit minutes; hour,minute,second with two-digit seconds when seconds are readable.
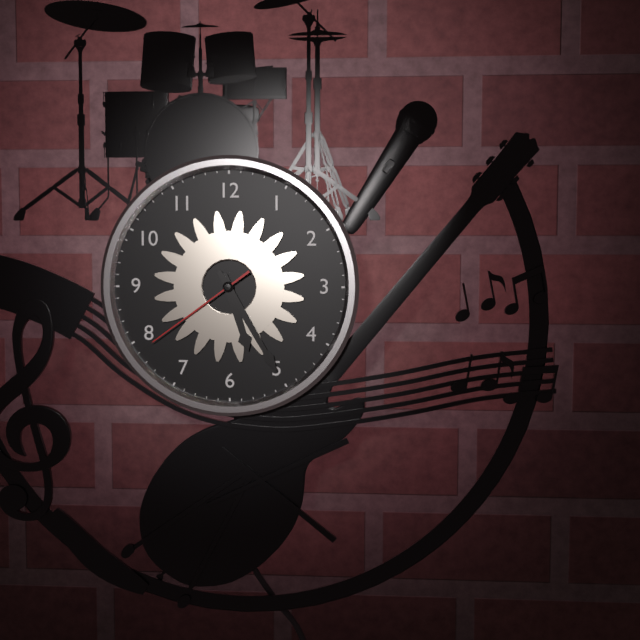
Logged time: 5,25,39
